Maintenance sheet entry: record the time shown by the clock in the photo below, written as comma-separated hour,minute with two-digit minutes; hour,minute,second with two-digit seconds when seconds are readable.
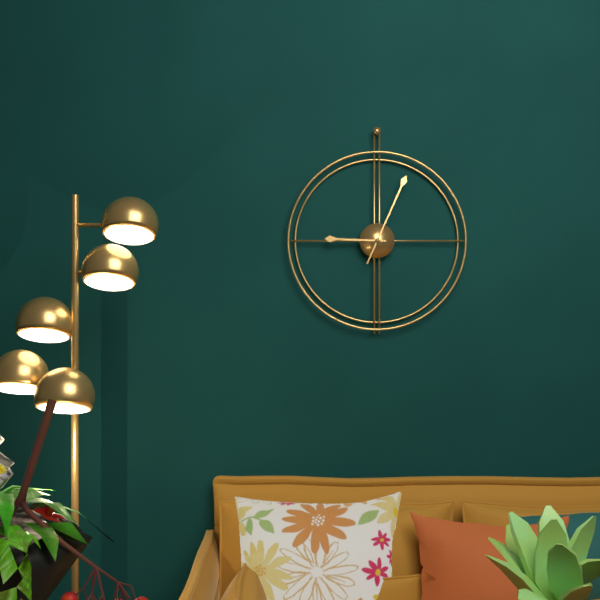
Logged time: 9,04
